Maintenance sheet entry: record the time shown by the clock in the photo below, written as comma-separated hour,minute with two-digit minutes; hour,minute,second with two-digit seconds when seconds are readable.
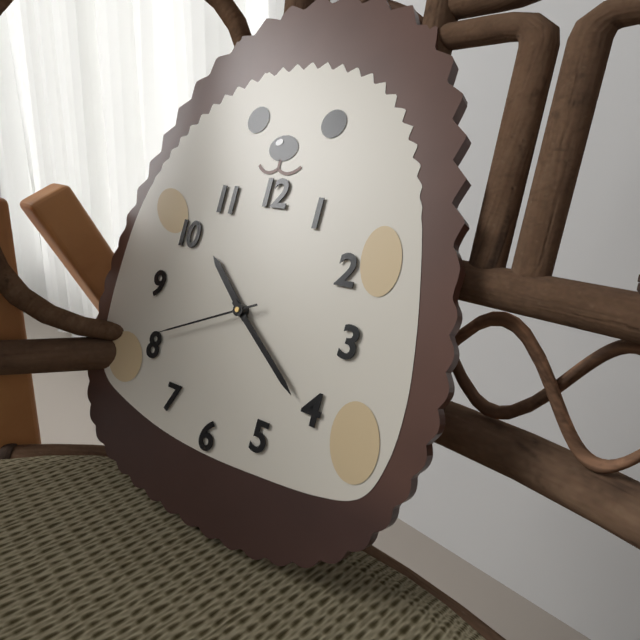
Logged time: 10,21,41
